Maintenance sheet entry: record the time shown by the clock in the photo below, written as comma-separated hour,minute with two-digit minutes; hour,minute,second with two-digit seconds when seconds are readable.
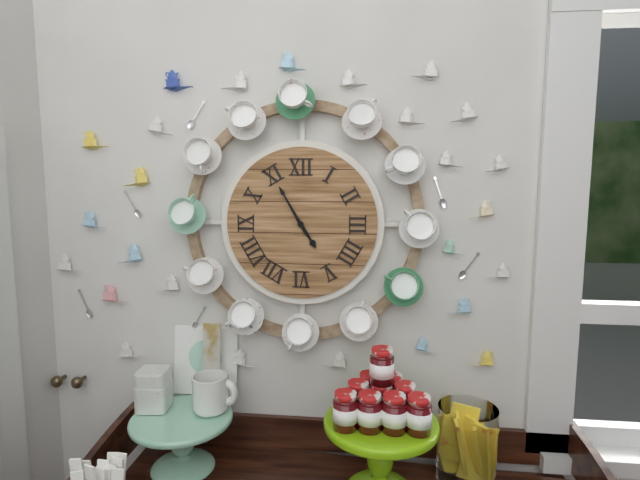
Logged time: 4,55
